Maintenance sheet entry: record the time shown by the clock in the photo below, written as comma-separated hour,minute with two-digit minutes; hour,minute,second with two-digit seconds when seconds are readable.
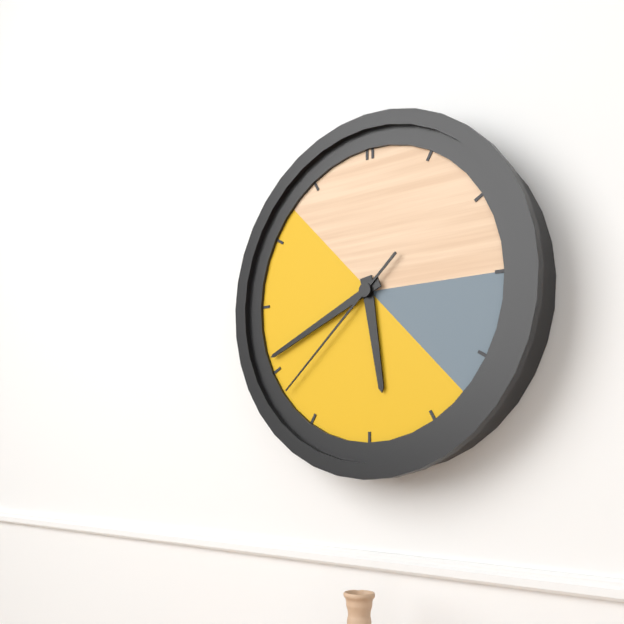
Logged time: 5,41,38
